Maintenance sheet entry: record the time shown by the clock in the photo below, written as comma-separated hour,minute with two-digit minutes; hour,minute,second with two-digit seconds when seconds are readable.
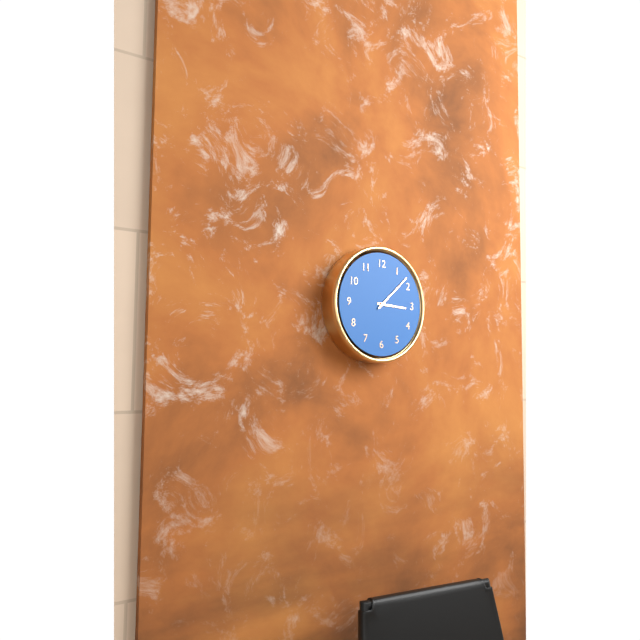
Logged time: 3,08
